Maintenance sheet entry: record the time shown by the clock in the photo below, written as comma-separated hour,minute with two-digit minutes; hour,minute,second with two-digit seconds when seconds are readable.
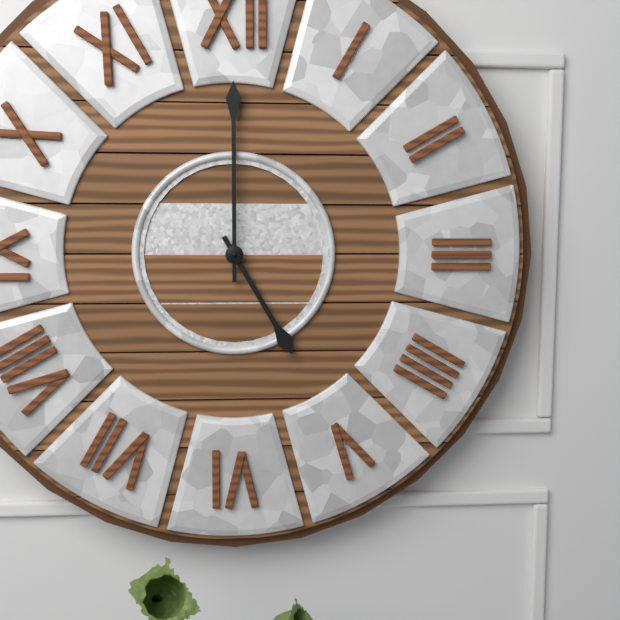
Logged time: 5,00
